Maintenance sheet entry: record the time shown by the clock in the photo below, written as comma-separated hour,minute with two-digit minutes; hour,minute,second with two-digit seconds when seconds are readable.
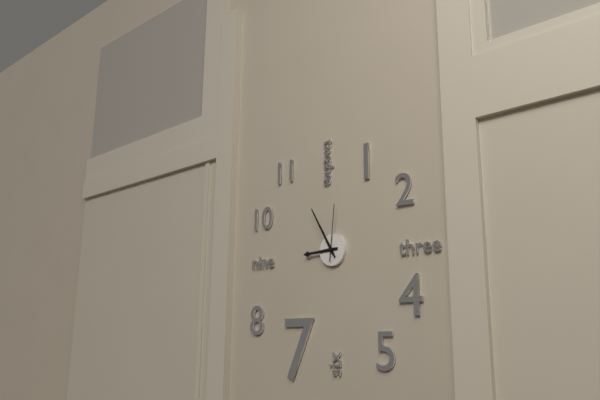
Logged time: 8,55,01
